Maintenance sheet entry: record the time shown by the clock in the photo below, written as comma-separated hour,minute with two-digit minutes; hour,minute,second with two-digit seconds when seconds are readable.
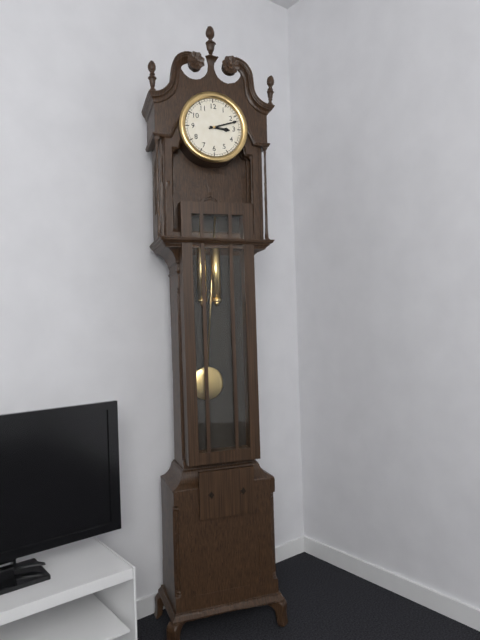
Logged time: 3,12
